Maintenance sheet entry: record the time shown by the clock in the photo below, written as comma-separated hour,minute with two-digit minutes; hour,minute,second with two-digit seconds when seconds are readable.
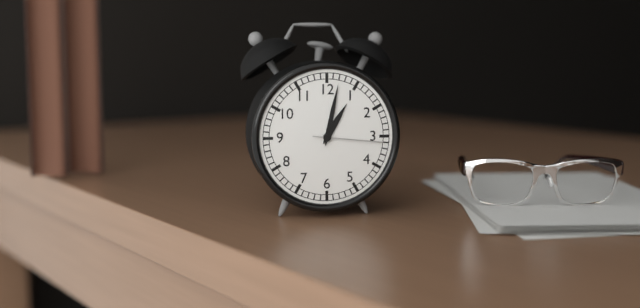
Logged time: 1,02,16
